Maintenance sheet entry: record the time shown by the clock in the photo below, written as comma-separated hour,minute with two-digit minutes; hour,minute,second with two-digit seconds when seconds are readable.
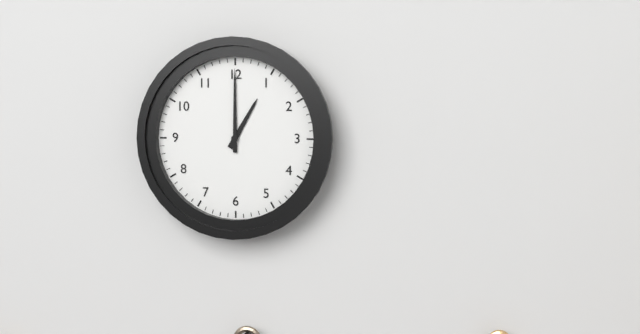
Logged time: 1,00
